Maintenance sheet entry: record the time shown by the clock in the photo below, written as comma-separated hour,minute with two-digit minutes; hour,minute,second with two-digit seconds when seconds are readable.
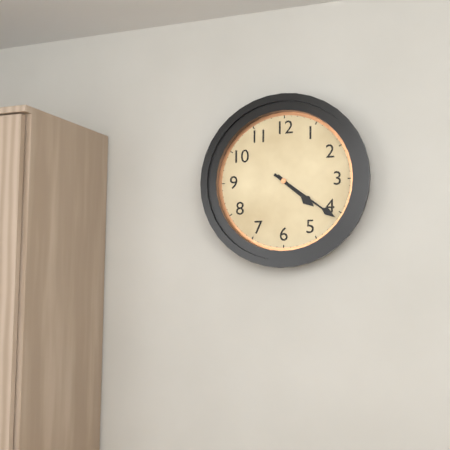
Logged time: 4,21
